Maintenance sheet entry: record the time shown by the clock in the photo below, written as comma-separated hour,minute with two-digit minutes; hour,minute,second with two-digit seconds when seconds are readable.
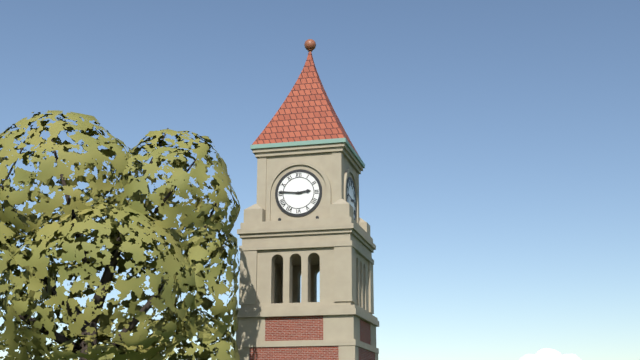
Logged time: 2,46
